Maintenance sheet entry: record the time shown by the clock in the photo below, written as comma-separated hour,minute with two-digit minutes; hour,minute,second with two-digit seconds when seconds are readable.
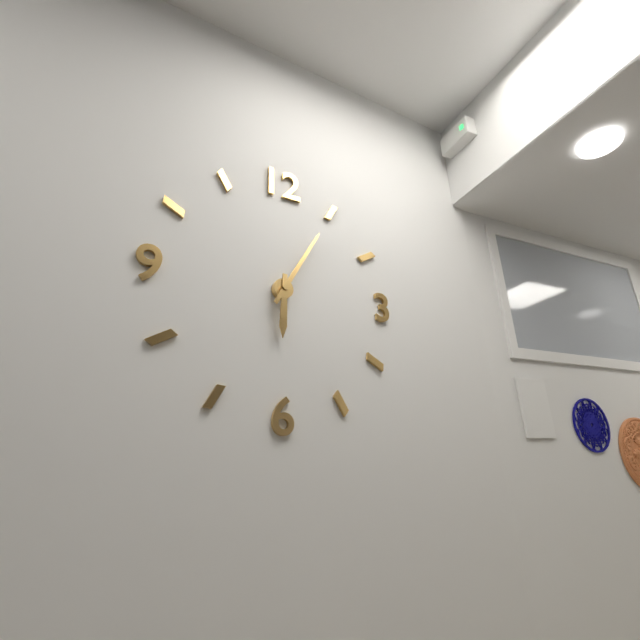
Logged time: 6,05
